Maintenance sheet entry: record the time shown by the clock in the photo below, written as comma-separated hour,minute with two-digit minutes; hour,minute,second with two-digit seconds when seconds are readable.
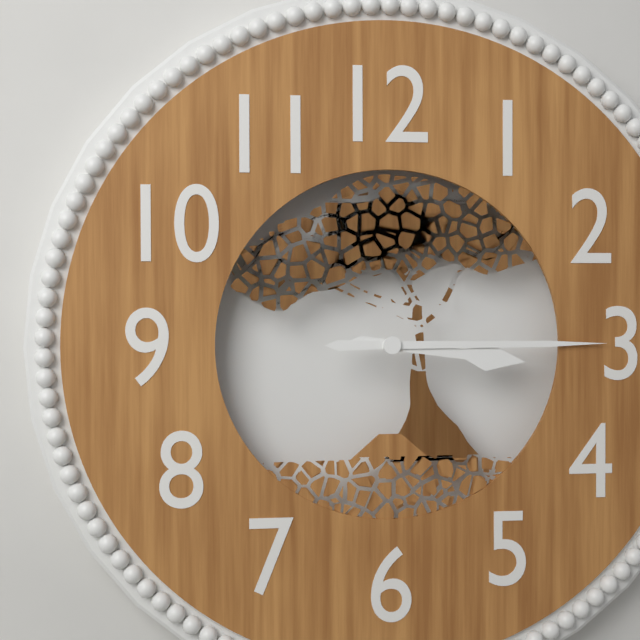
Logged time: 3,15
